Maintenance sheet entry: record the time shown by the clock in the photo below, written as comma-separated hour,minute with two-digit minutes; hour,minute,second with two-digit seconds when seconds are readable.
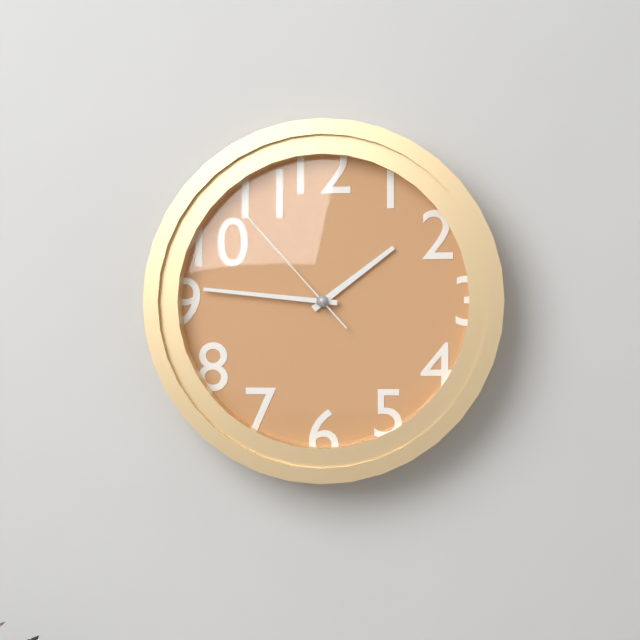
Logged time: 1,46,53
